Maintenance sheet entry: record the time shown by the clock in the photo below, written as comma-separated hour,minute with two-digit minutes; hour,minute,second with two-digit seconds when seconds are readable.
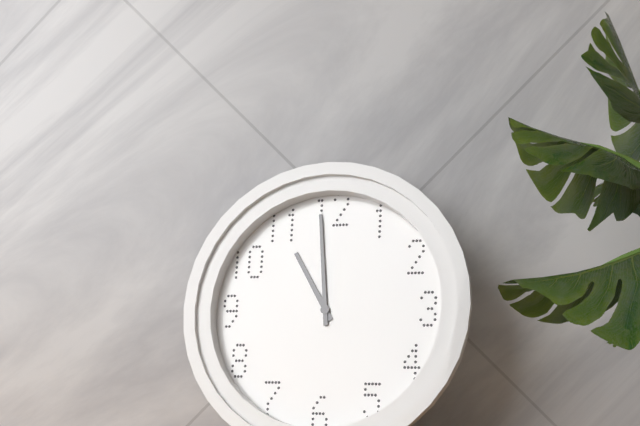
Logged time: 10,59
